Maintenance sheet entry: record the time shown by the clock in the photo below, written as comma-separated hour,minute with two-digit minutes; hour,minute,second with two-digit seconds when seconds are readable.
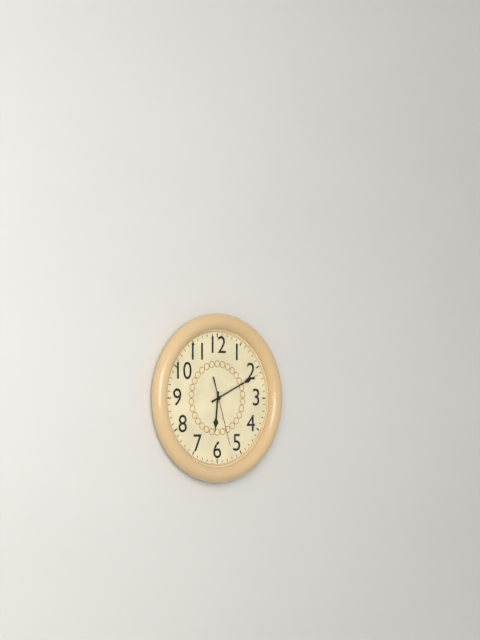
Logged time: 6,11,27
